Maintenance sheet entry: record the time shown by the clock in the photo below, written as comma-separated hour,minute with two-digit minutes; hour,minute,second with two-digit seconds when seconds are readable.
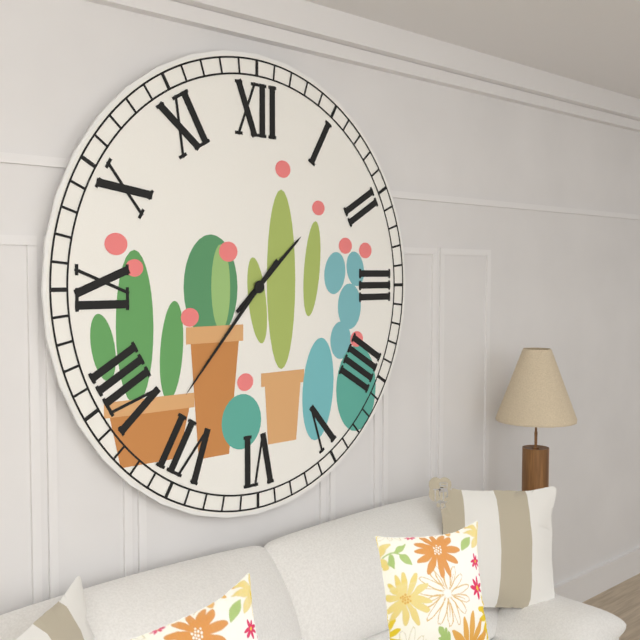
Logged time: 1,37
